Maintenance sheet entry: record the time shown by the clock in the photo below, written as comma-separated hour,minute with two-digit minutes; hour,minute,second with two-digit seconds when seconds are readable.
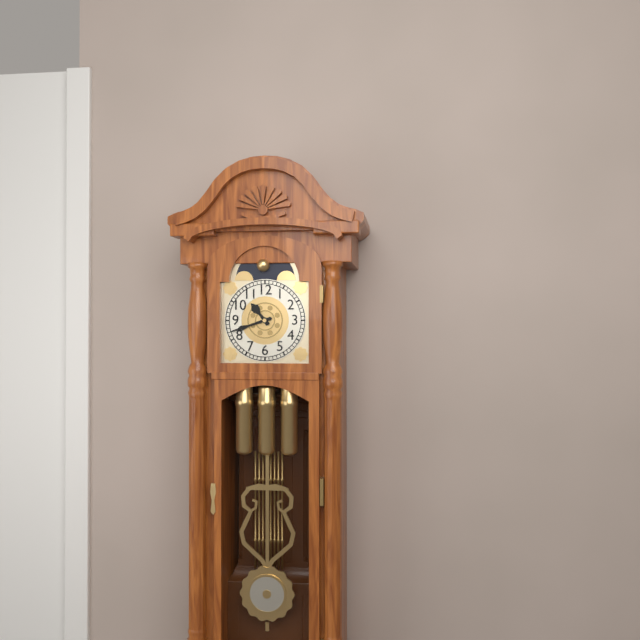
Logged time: 10,42
